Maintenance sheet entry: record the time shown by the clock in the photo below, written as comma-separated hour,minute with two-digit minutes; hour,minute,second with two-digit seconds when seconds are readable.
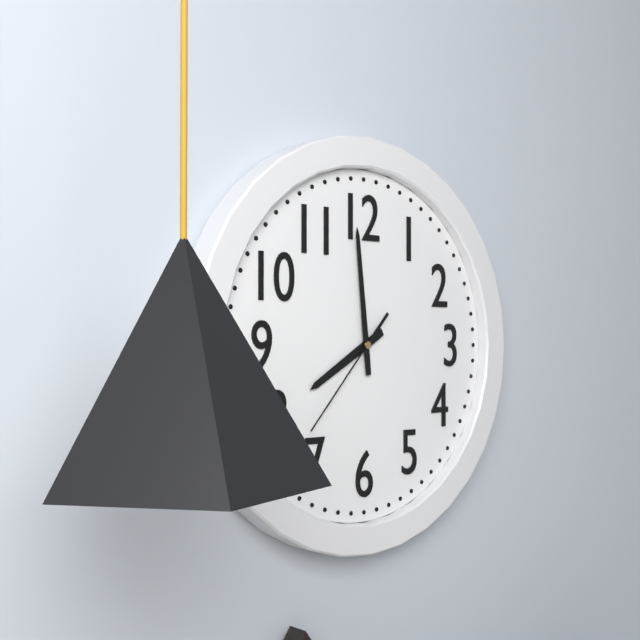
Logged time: 7,59,37
